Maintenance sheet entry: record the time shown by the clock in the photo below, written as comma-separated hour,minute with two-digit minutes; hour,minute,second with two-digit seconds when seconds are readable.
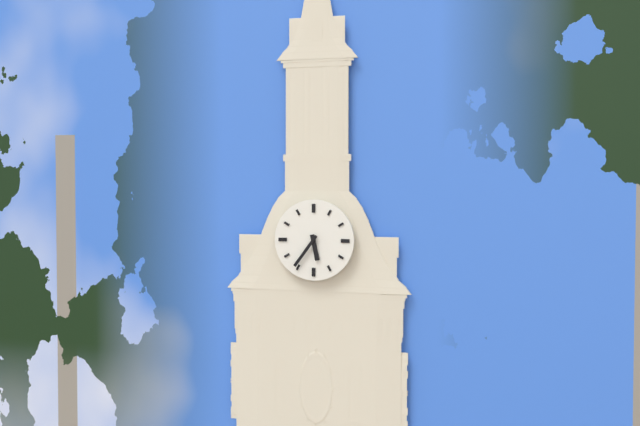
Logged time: 5,36
